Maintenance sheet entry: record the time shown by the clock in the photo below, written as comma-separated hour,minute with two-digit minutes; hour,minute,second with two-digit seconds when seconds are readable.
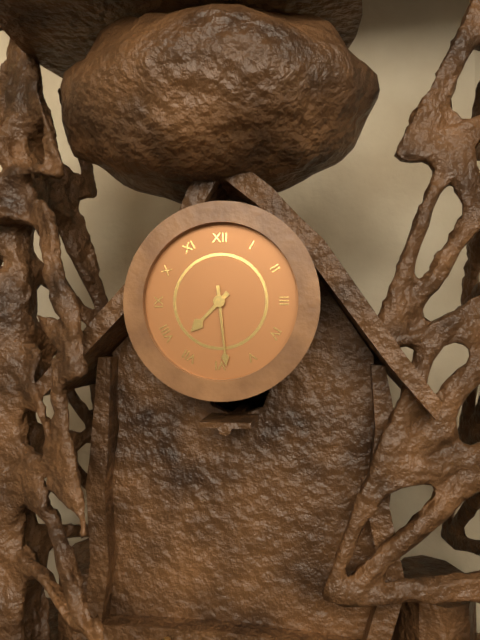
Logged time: 7,29
